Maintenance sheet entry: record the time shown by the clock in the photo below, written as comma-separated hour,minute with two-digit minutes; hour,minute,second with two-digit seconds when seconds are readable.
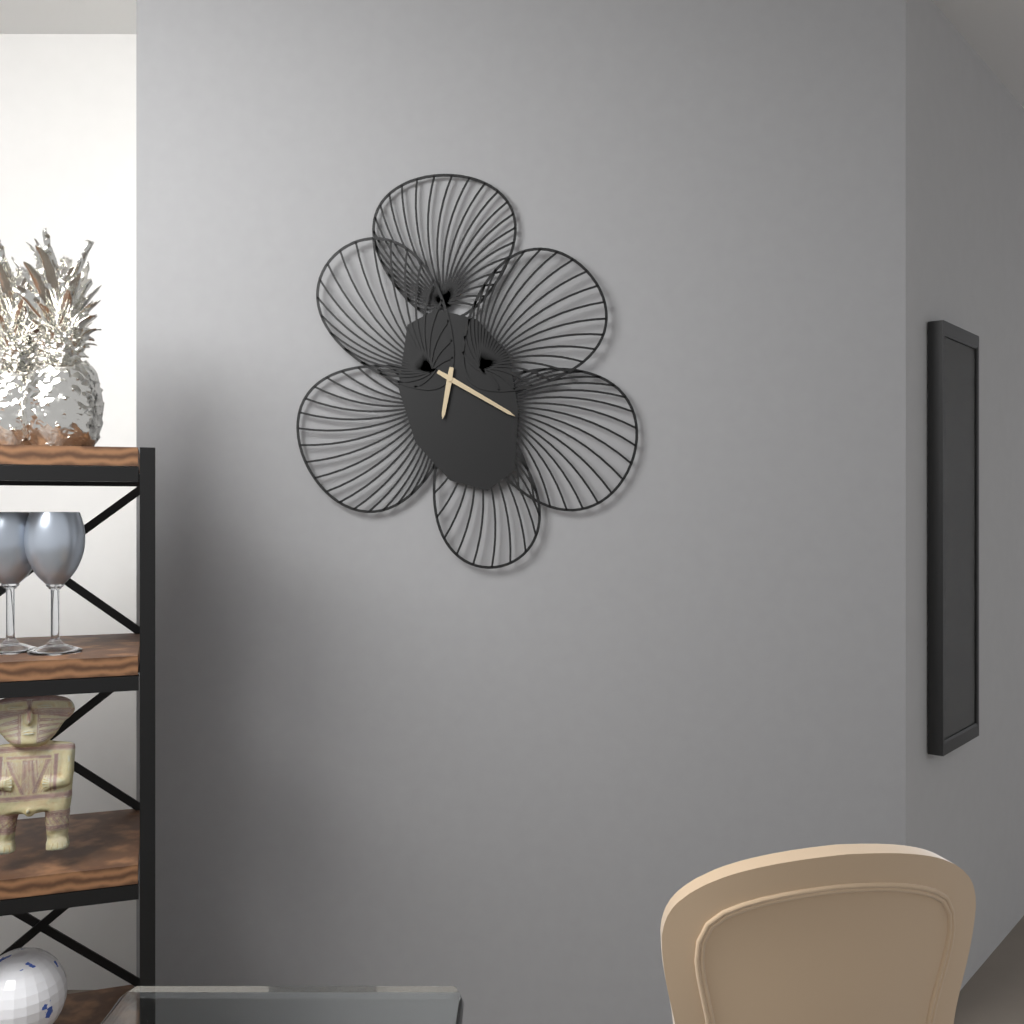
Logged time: 6,20
